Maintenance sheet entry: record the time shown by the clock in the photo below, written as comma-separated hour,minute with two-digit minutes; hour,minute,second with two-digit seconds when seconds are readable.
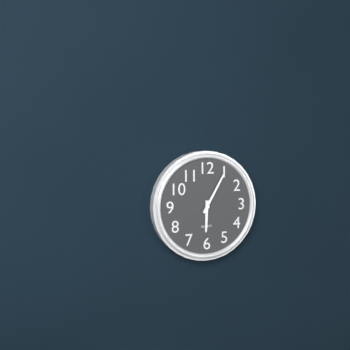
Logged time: 6,05
